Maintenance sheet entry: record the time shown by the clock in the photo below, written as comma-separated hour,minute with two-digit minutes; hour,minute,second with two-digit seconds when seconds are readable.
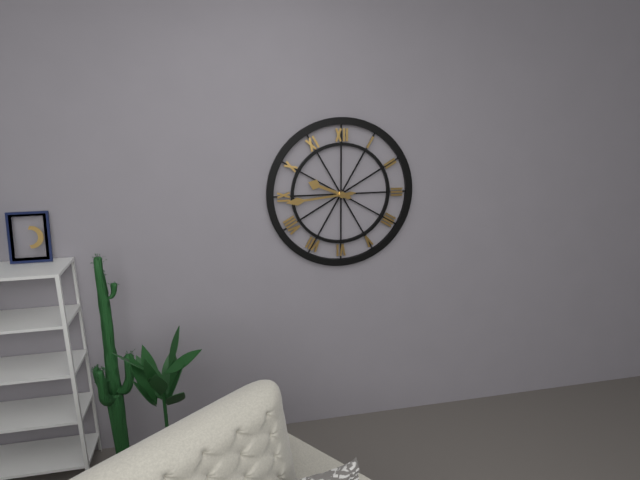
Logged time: 9,44
